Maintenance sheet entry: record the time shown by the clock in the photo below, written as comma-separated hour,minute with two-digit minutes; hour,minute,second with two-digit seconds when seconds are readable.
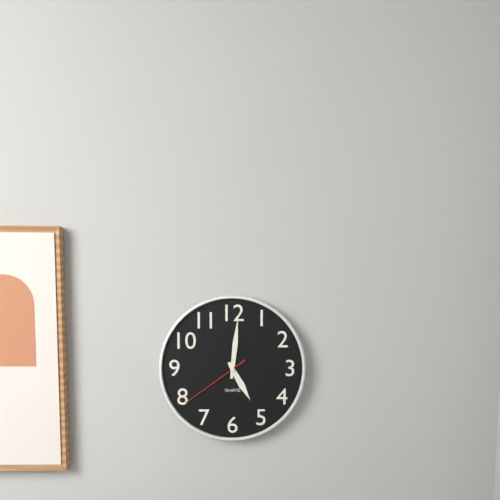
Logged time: 5,01,39
